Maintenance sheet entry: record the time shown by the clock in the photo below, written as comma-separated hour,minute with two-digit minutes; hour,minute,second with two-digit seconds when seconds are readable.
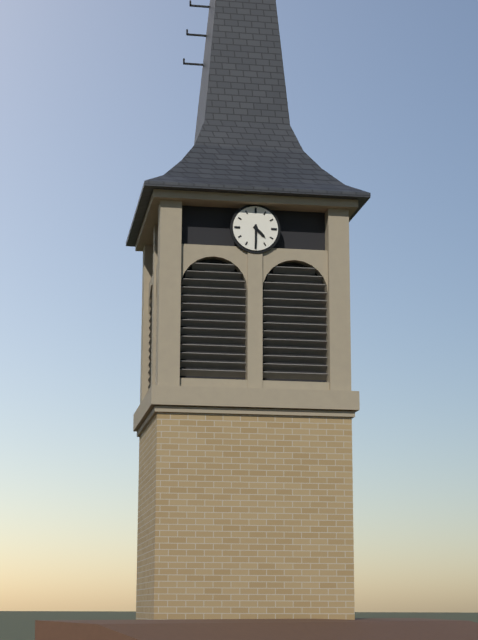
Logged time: 4,30
